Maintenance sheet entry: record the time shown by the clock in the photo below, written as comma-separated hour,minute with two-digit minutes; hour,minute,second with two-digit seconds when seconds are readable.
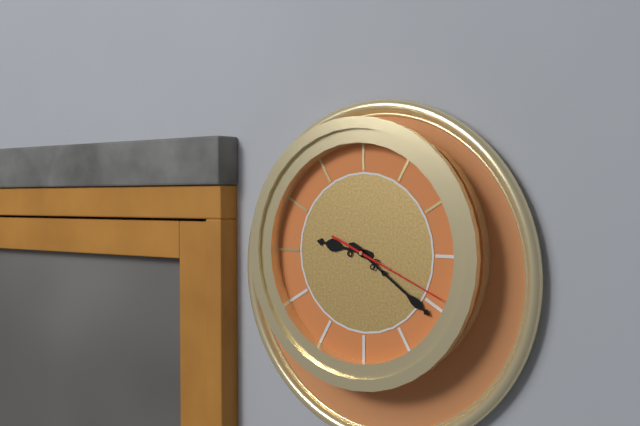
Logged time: 9,21,19
